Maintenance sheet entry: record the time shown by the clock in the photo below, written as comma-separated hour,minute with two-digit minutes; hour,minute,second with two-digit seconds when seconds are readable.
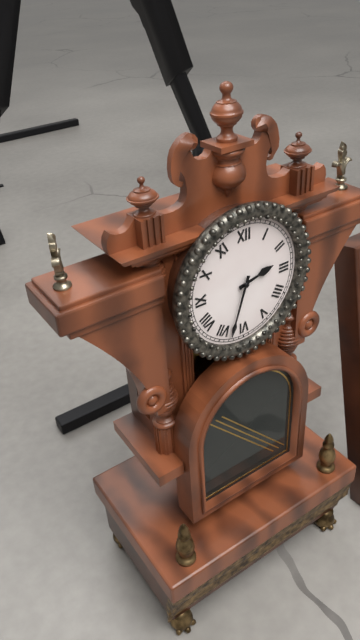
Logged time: 2,33
